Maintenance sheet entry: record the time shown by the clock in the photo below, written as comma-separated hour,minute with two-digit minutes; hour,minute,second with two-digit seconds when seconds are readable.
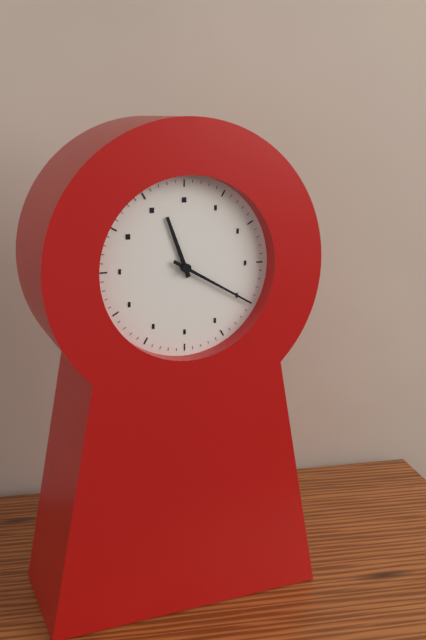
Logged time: 11,20
